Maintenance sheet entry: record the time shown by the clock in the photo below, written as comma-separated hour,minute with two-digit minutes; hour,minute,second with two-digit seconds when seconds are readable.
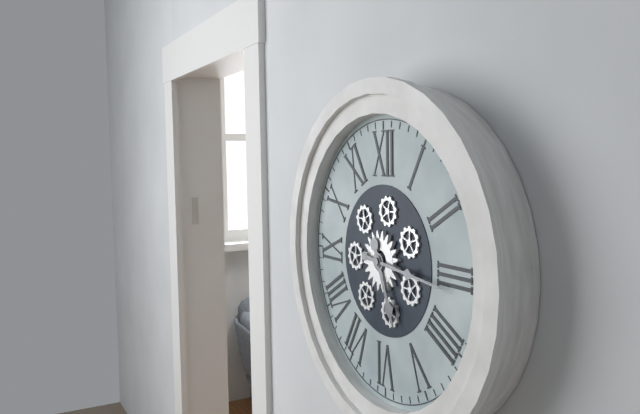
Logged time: 5,16
